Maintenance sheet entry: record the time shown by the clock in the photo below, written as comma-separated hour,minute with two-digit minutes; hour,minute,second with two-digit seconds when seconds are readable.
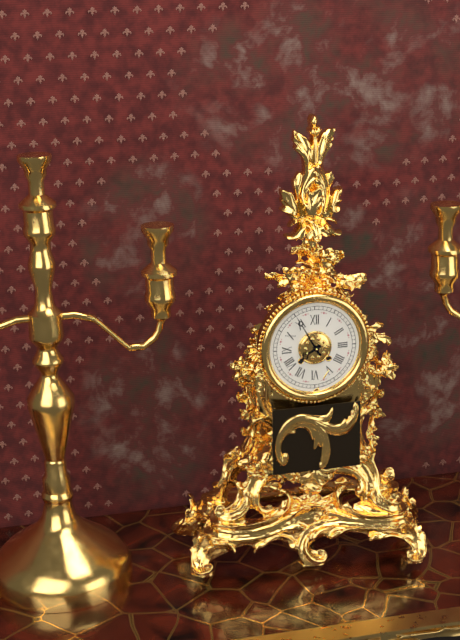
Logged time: 7,55
